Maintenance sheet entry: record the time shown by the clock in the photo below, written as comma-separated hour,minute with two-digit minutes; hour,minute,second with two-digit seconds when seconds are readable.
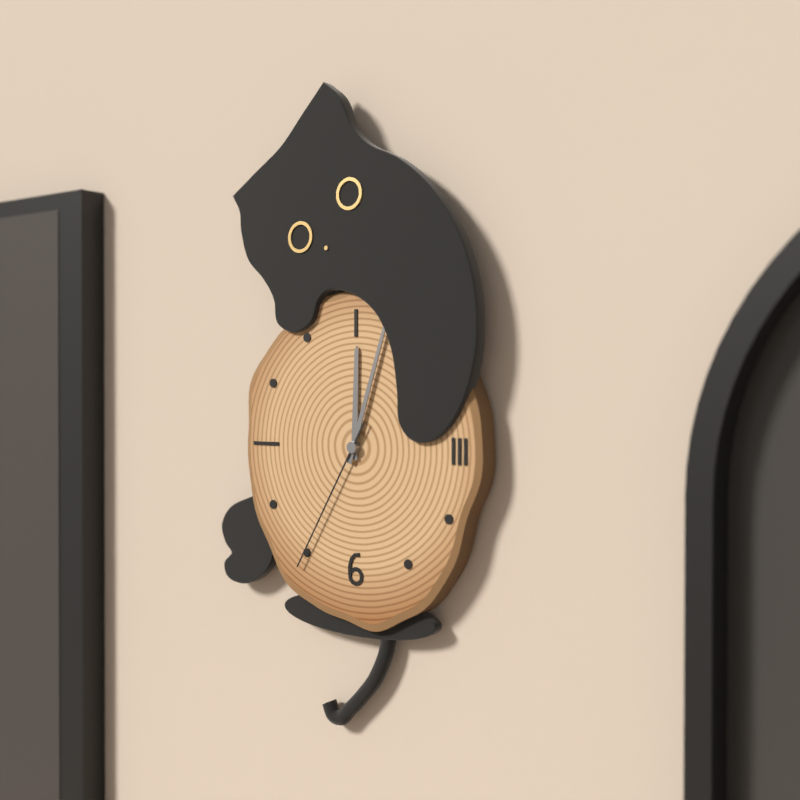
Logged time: 12,03,35
